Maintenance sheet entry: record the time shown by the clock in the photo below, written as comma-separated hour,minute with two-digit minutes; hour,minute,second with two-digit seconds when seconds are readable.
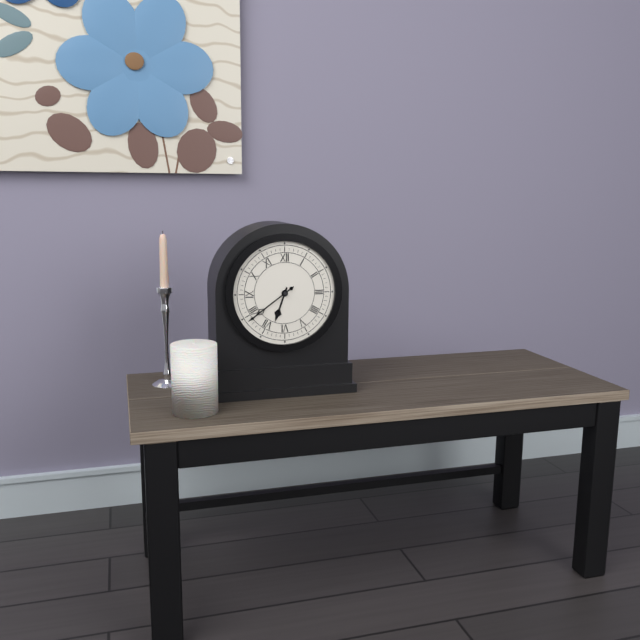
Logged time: 6,39
